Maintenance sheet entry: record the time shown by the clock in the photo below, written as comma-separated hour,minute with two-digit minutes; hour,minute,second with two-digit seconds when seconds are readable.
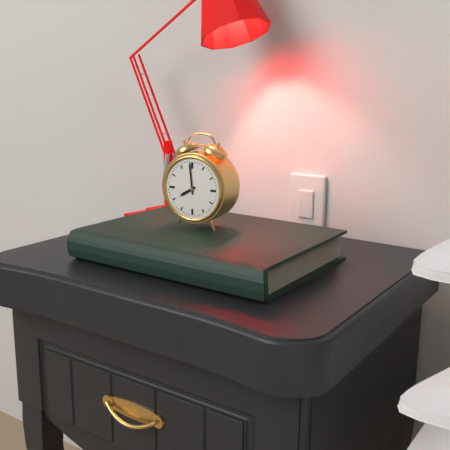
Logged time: 7,59
